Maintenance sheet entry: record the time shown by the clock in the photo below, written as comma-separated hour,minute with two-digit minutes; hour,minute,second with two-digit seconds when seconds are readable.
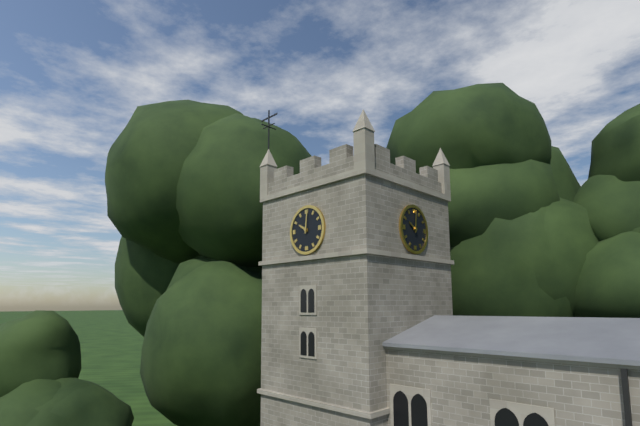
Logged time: 10,01
